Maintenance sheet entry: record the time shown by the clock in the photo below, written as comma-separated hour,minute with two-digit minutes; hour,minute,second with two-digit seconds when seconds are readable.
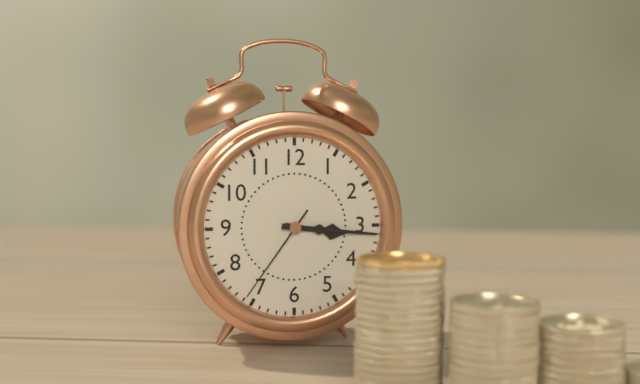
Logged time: 3,16,36
